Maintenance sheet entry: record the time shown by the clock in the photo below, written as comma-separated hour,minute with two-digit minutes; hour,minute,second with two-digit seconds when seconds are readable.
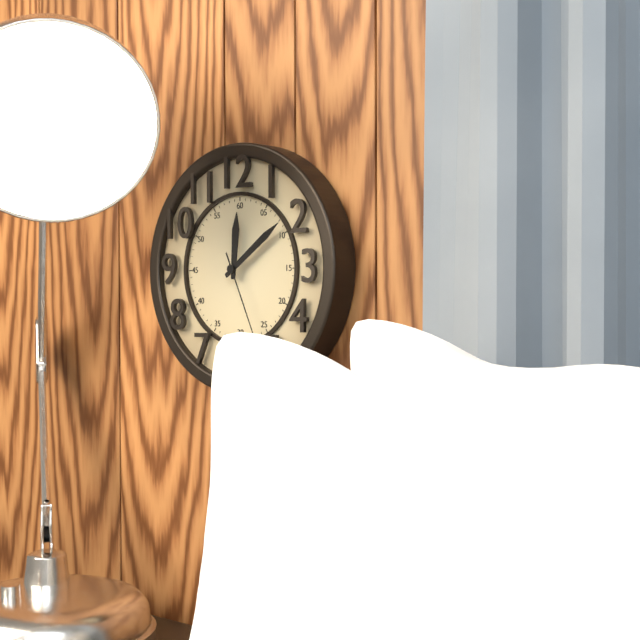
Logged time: 12,09,26
